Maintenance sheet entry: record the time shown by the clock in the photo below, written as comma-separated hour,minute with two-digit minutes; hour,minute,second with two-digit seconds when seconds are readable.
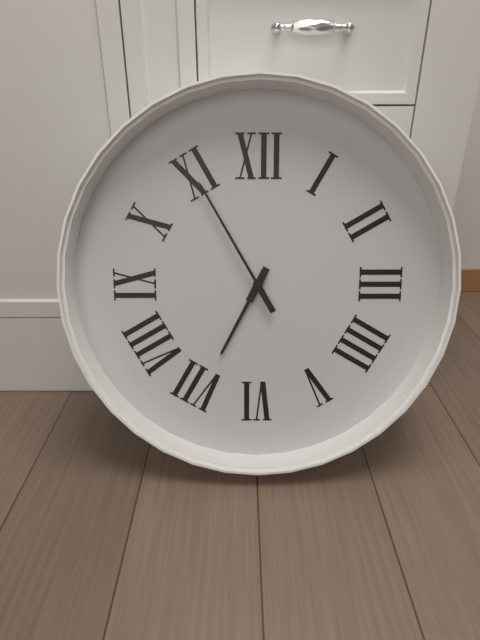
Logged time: 6,55
